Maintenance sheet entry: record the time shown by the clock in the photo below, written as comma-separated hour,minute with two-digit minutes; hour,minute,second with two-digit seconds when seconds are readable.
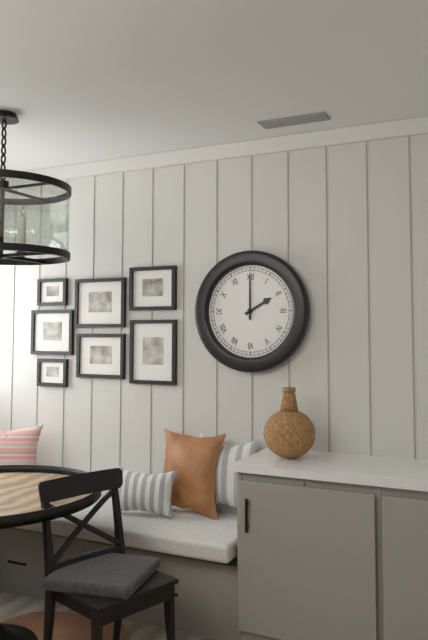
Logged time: 2,00
